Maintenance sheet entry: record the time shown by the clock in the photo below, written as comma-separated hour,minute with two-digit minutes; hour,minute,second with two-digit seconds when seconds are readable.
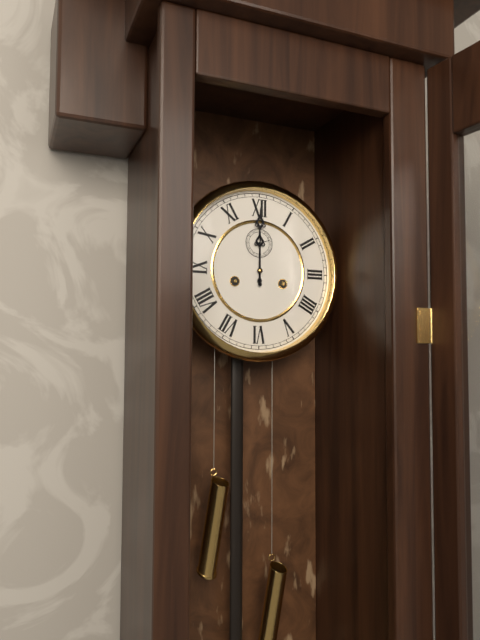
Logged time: 12,00
